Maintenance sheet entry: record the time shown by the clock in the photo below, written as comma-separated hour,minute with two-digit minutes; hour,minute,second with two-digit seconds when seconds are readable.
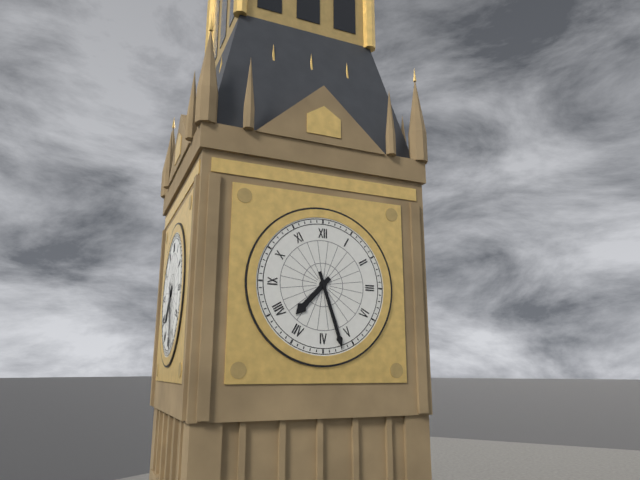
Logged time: 7,27
